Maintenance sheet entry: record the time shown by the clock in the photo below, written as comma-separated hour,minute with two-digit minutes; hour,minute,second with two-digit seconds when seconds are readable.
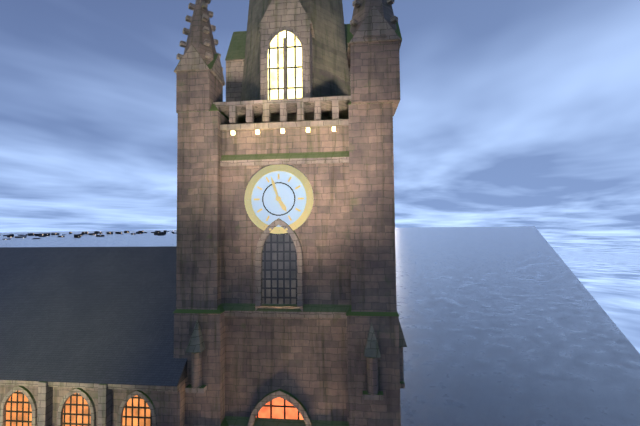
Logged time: 4,57
